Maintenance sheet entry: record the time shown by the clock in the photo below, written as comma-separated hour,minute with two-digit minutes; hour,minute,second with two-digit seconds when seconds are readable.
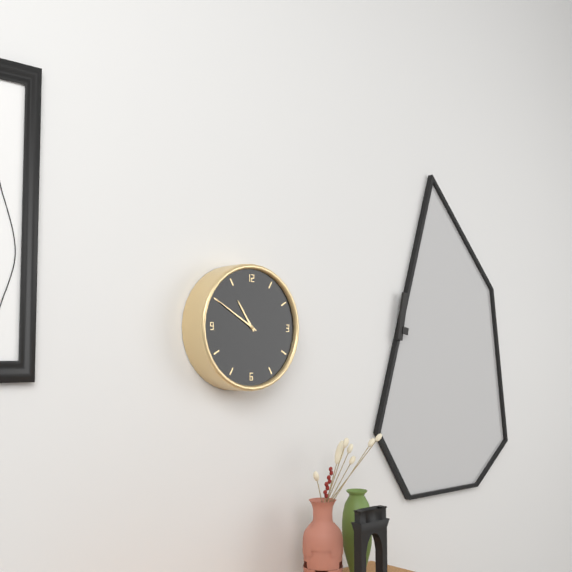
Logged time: 10,50
